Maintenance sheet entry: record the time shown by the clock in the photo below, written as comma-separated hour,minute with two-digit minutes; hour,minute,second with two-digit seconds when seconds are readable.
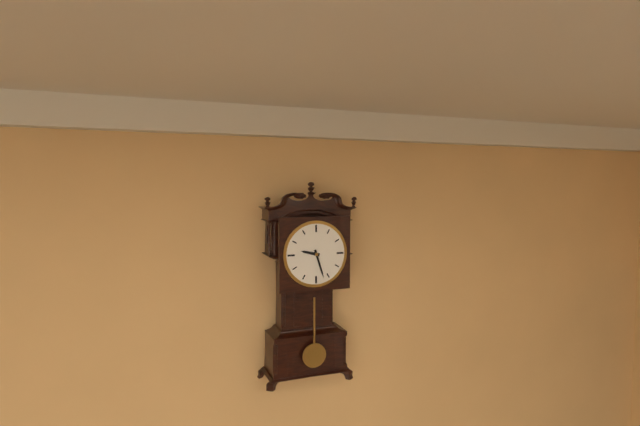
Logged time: 9,27
